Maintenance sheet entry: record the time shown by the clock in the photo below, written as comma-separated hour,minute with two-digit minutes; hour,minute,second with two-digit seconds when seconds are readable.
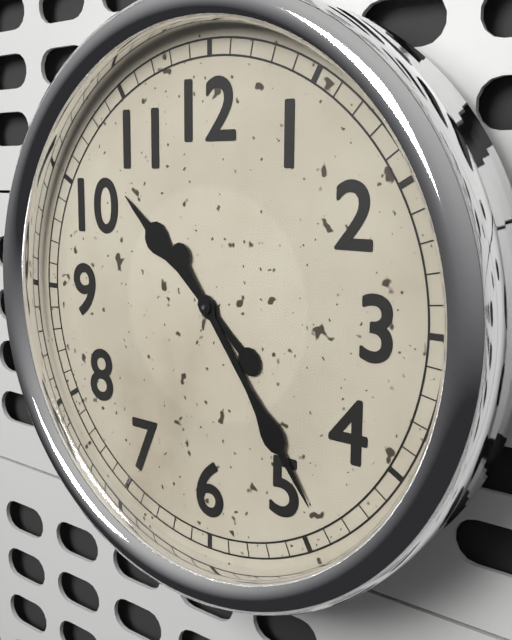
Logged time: 10,24
